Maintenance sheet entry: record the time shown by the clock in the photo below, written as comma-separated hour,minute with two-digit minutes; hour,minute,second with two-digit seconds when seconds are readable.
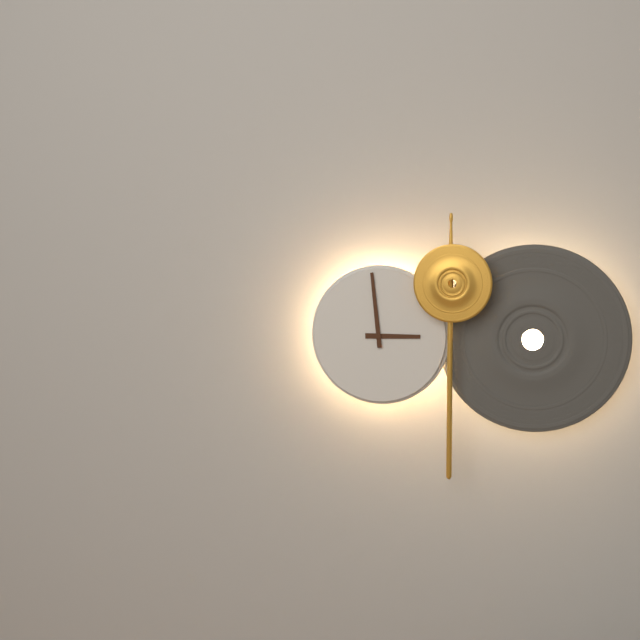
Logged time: 2,59
